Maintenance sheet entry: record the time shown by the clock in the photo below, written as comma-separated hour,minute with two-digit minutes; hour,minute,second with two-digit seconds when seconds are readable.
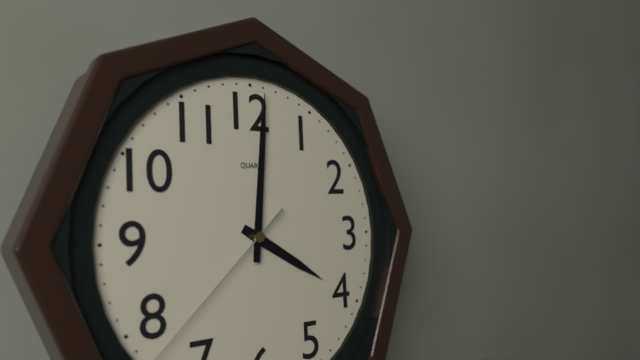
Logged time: 4,01
